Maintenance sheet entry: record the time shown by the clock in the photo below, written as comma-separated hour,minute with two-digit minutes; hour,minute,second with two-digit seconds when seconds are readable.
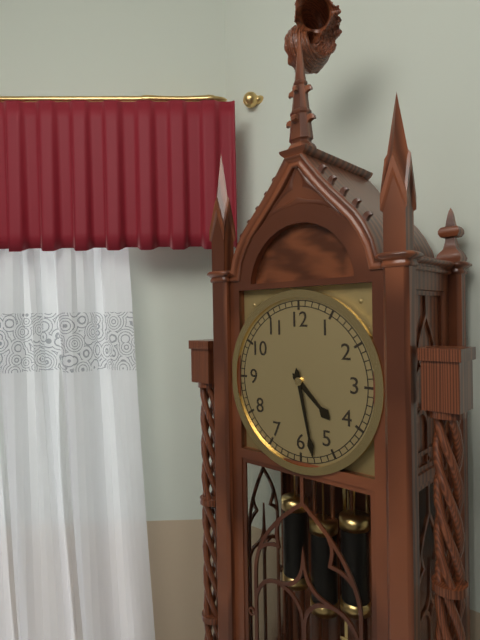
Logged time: 4,28
